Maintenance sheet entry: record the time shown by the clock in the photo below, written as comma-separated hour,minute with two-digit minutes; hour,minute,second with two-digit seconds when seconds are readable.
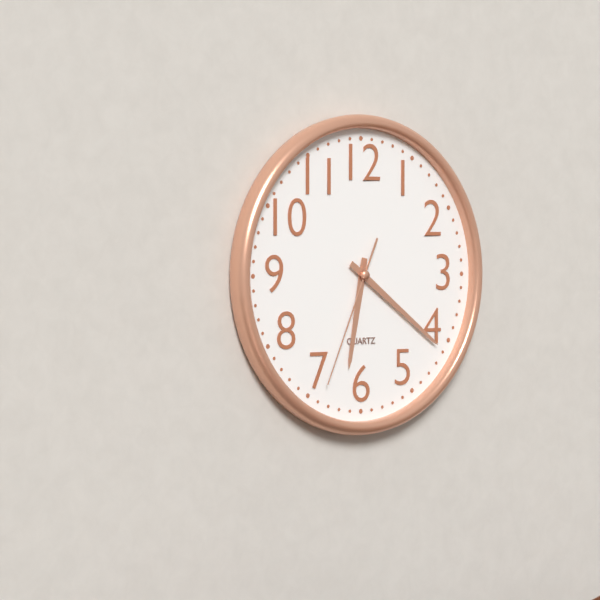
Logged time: 6,21,34
